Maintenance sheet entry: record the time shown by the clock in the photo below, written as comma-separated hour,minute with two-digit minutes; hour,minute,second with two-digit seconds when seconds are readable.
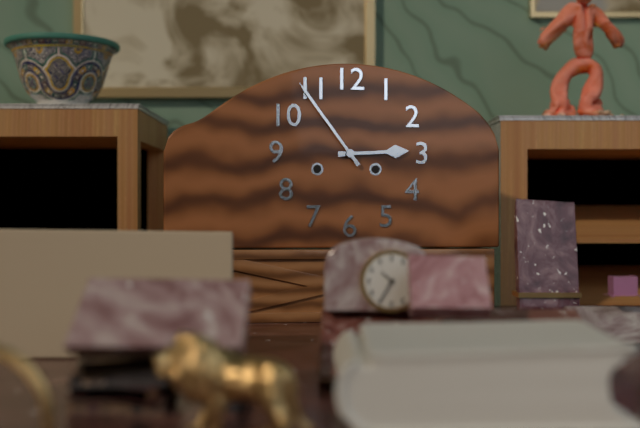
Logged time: 2,54
